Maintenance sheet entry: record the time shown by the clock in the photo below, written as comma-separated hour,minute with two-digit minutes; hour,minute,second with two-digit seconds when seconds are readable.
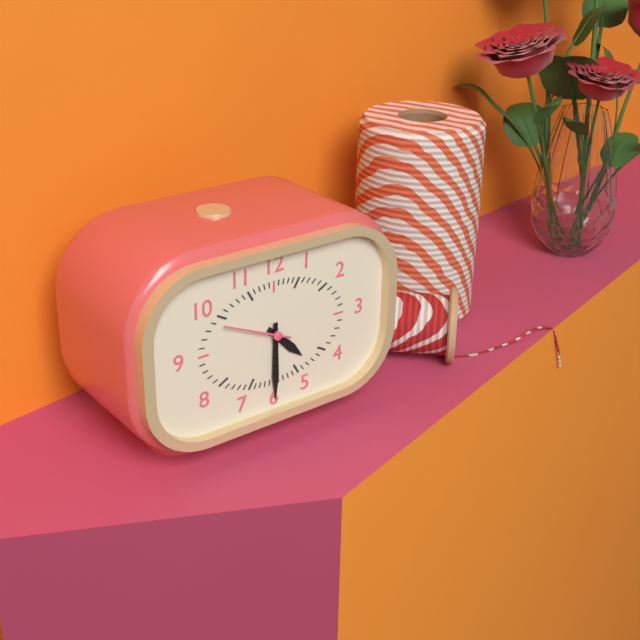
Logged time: 4,30,49
